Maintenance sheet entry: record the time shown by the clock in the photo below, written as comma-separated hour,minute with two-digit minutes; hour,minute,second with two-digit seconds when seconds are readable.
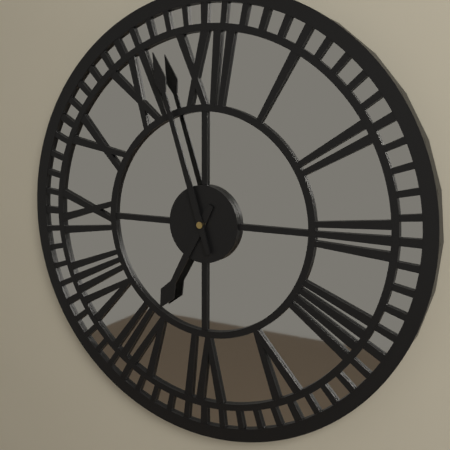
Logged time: 6,57
